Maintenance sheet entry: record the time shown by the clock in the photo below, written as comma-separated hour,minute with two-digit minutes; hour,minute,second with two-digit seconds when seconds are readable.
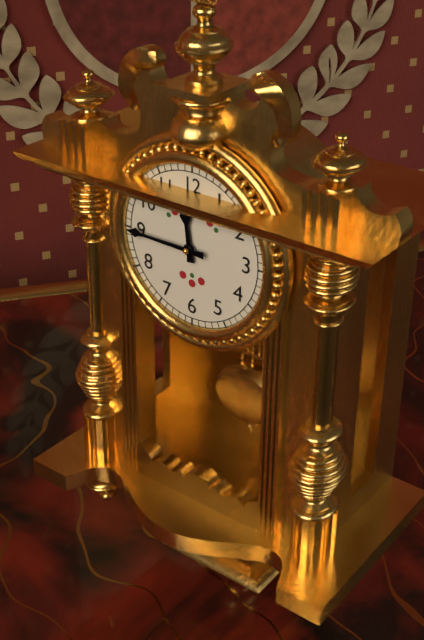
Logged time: 11,45
